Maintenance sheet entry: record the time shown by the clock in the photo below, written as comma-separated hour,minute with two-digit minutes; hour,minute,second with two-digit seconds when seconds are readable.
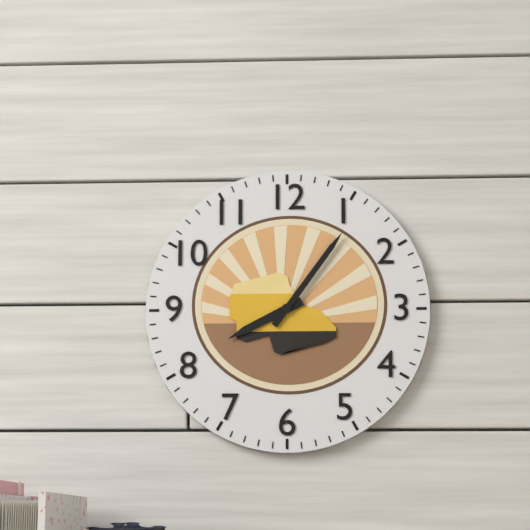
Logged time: 8,06
